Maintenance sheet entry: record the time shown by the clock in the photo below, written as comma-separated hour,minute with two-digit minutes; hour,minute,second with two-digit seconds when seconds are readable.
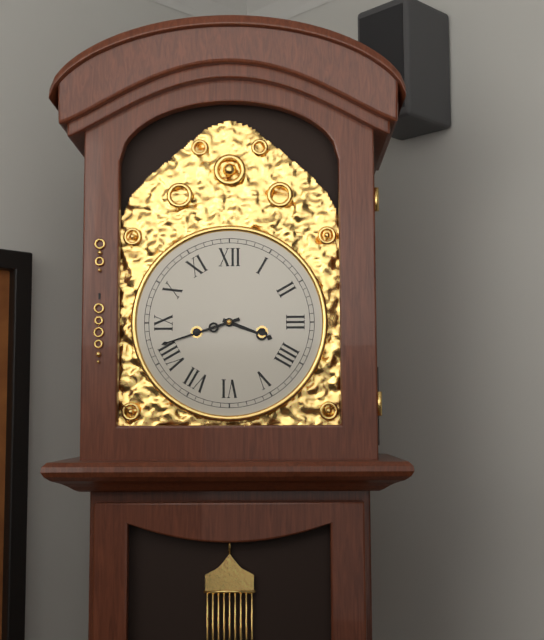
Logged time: 3,42
